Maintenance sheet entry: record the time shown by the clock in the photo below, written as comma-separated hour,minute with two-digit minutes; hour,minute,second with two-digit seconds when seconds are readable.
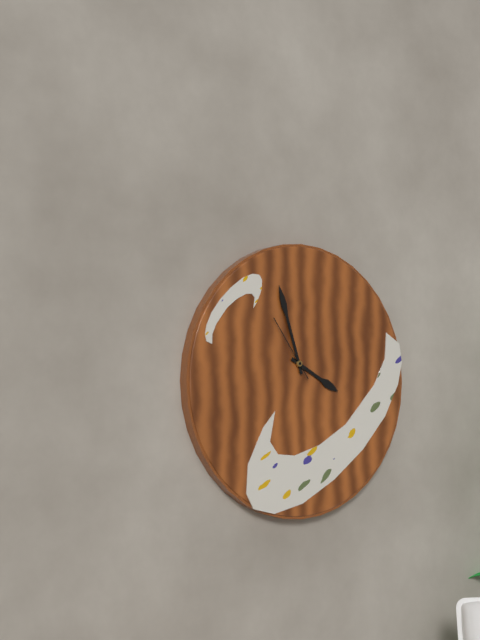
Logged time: 3,57,54
